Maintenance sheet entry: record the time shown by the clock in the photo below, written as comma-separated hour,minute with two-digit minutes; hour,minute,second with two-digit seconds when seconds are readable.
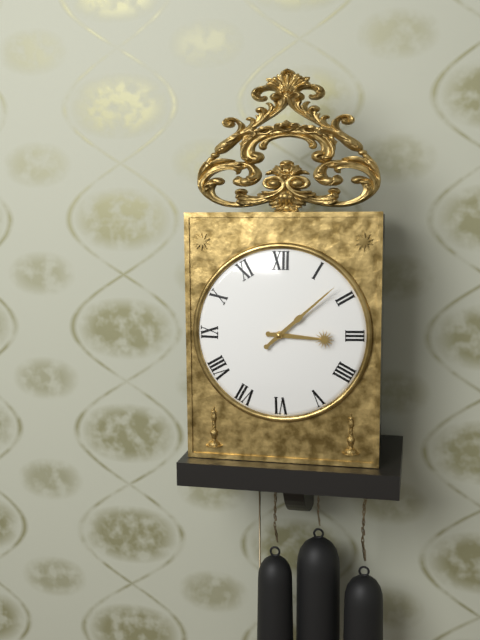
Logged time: 3,08
